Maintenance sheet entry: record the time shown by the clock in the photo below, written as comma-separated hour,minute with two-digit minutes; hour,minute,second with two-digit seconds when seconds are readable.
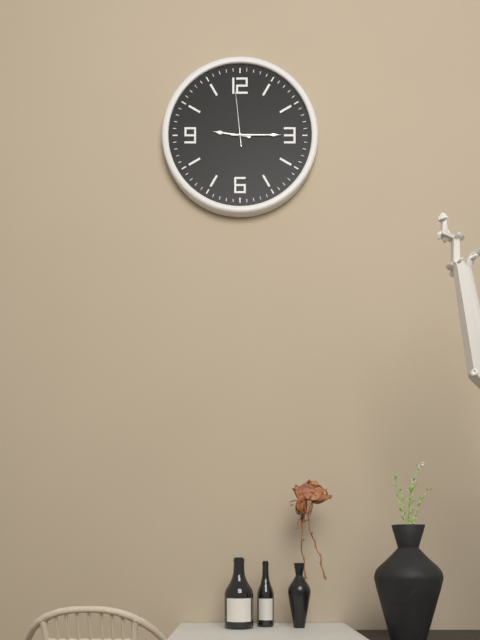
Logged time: 9,15,59
